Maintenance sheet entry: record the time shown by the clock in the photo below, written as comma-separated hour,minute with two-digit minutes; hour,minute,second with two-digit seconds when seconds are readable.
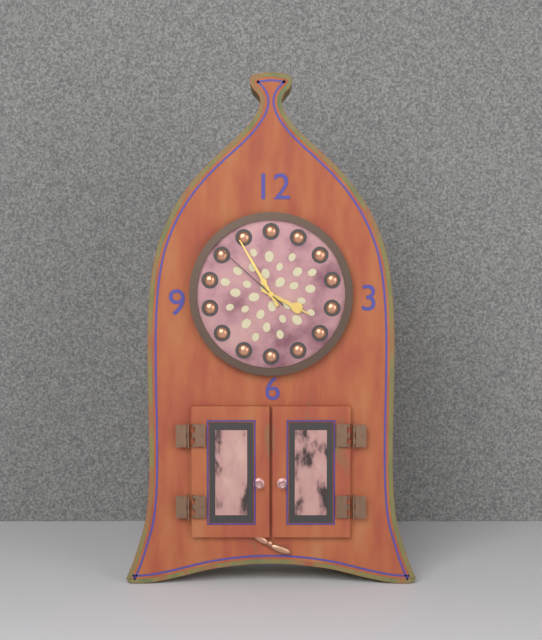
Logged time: 3,55,52
